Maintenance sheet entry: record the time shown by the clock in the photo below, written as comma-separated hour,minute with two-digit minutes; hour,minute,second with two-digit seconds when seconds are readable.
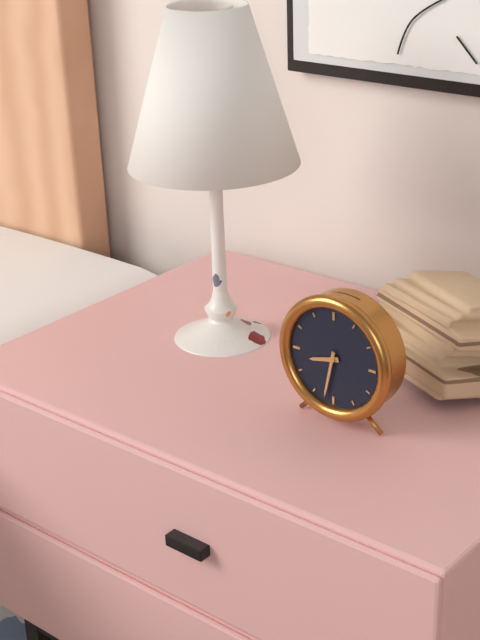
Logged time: 8,32
